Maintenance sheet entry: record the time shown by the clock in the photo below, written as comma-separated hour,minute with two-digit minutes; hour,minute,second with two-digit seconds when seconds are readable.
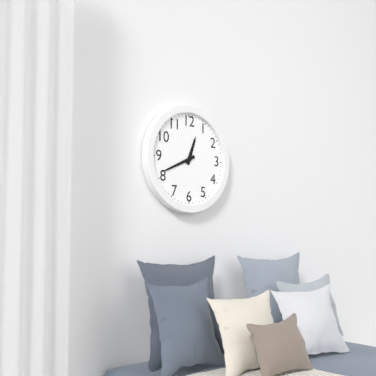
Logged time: 12,41
